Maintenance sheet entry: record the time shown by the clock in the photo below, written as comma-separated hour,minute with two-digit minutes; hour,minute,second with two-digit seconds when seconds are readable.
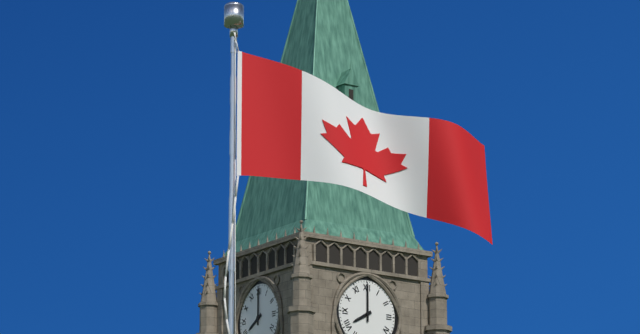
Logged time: 8,00
